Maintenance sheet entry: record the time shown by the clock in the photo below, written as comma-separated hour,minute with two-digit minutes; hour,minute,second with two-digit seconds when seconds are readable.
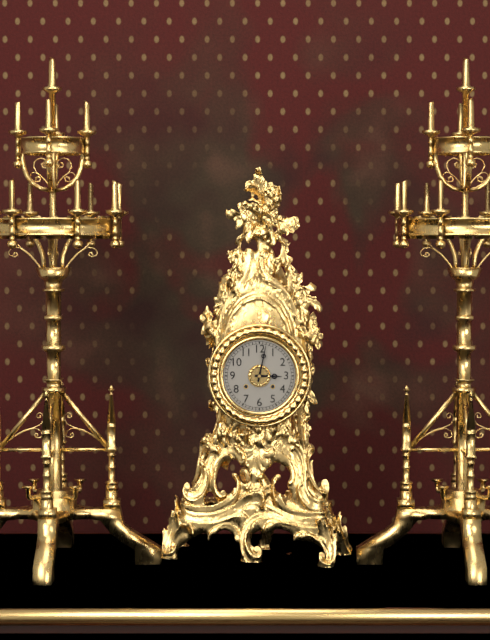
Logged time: 3,02
